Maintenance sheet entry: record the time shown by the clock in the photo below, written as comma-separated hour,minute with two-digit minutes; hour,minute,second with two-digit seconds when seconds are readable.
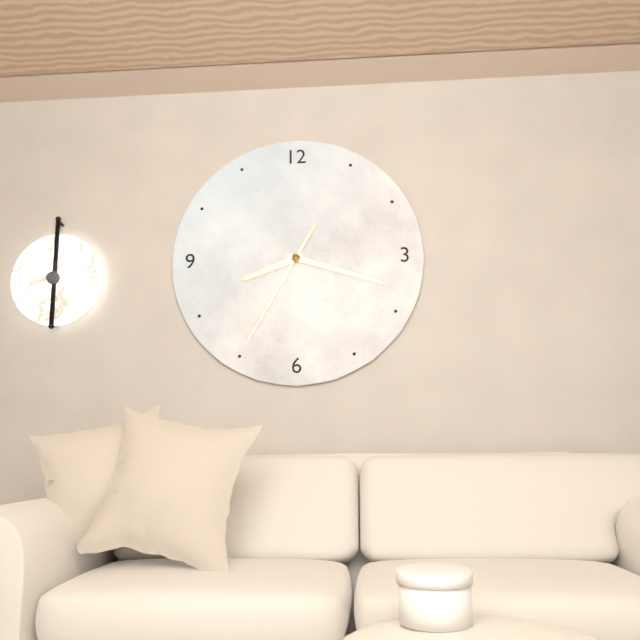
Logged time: 8,18,35
